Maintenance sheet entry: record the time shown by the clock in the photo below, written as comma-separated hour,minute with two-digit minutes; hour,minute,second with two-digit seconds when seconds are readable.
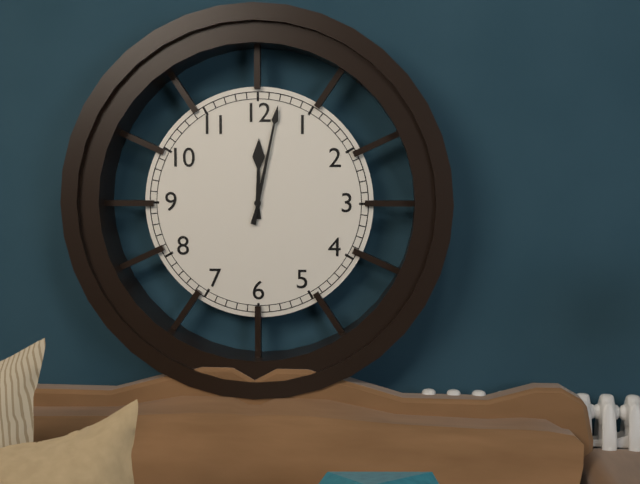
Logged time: 12,02
